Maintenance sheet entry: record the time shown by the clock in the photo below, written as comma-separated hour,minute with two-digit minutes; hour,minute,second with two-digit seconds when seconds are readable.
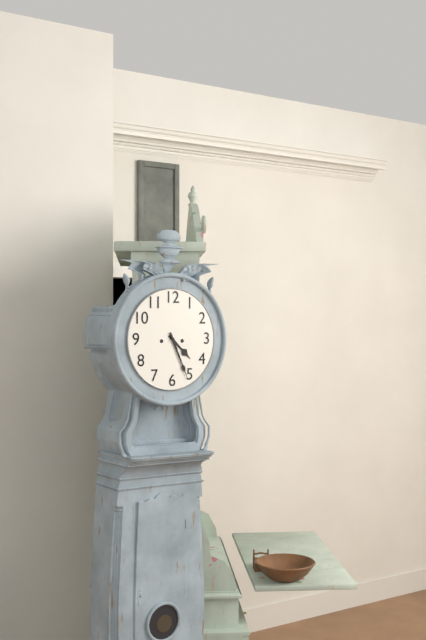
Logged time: 4,26
